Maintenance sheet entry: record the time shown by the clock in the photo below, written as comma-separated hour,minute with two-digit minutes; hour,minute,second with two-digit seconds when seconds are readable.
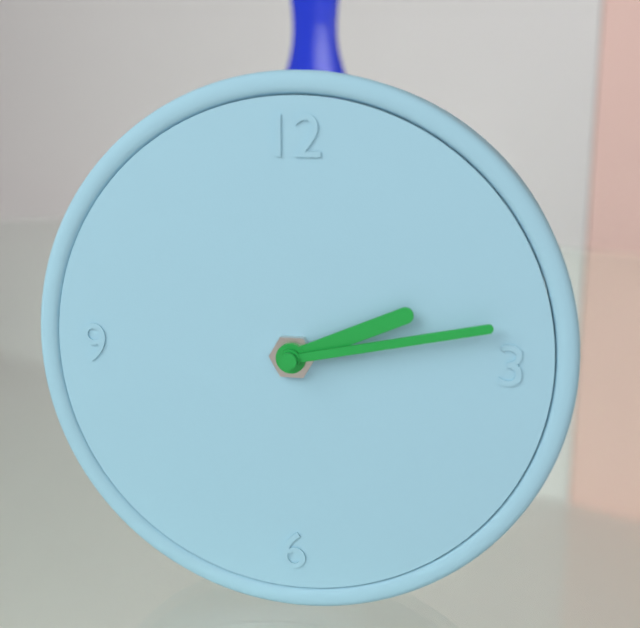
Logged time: 2,13
